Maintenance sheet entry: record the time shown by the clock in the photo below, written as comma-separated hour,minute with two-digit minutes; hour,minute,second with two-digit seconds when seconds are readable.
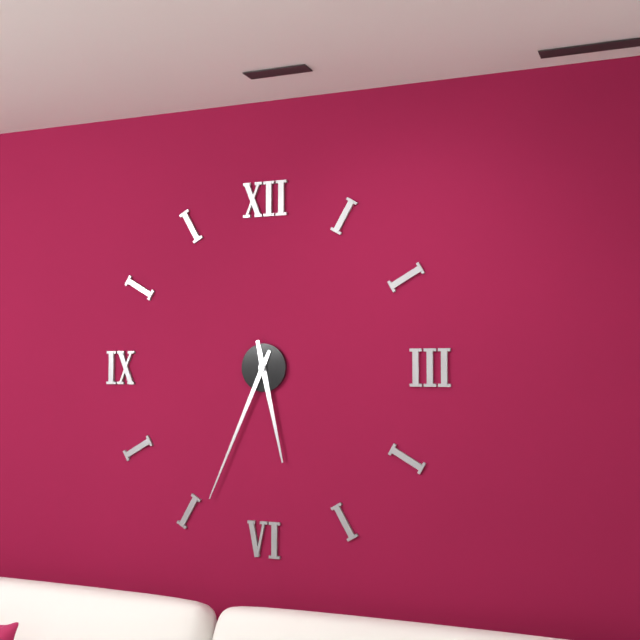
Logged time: 5,34
